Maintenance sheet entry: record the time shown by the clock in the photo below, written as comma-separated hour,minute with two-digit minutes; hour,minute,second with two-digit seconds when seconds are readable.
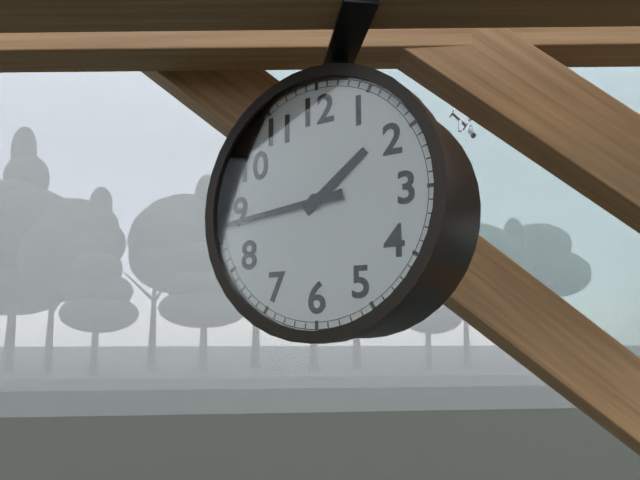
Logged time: 1,44
